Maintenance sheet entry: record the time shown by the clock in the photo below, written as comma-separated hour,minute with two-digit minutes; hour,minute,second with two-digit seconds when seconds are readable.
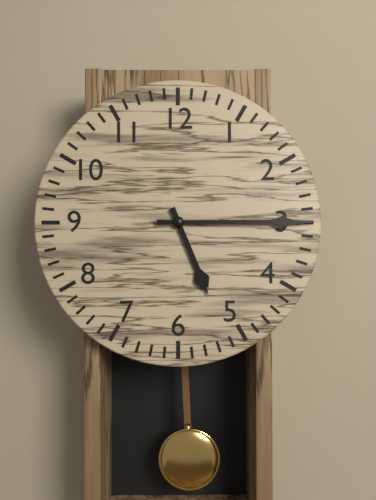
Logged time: 5,15
